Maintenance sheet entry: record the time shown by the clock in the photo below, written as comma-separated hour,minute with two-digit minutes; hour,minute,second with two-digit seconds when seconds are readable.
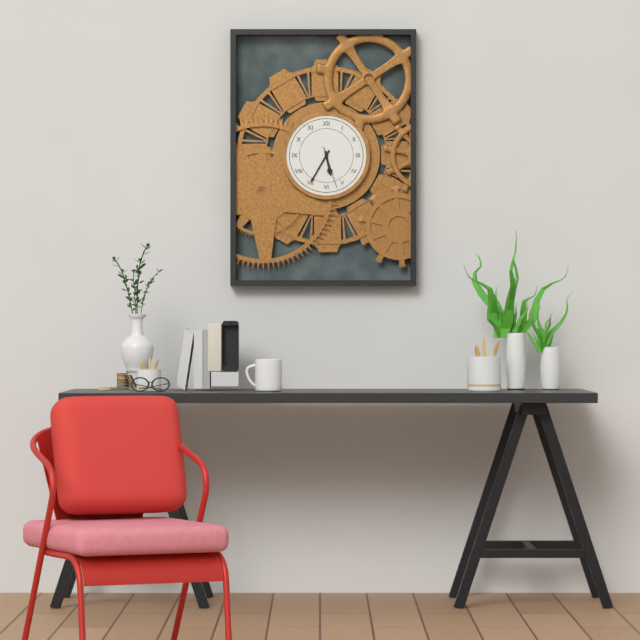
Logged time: 5,35
